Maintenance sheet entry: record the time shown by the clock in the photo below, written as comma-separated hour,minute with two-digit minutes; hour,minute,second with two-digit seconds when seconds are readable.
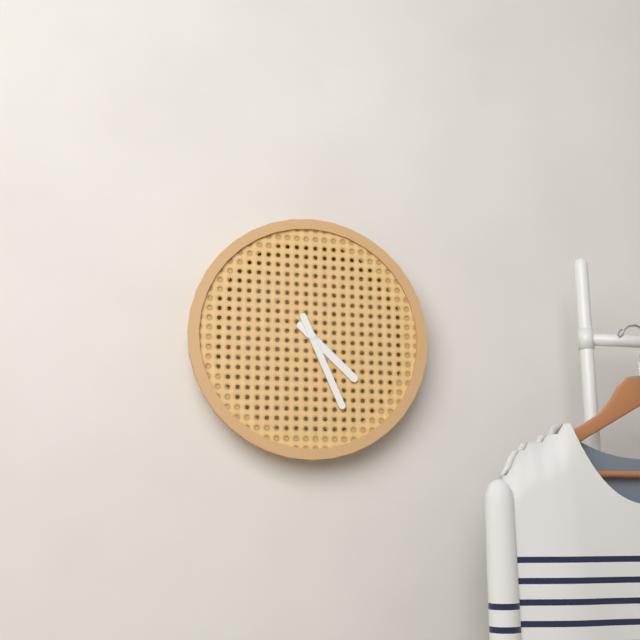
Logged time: 4,26
